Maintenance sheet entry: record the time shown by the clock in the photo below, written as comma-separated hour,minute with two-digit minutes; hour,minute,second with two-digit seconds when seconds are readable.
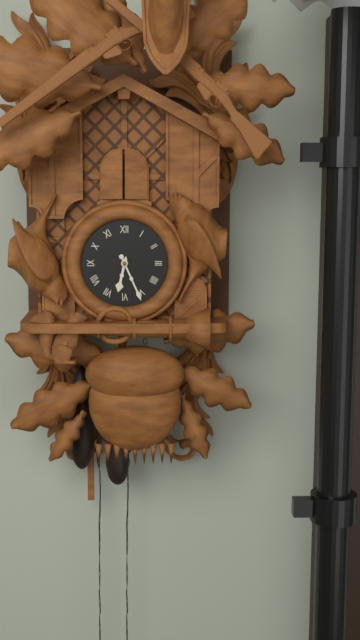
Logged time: 6,26
